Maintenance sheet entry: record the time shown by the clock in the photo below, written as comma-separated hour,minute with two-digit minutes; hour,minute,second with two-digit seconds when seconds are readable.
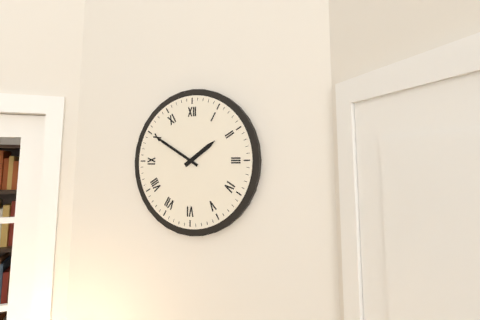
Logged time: 1,50
